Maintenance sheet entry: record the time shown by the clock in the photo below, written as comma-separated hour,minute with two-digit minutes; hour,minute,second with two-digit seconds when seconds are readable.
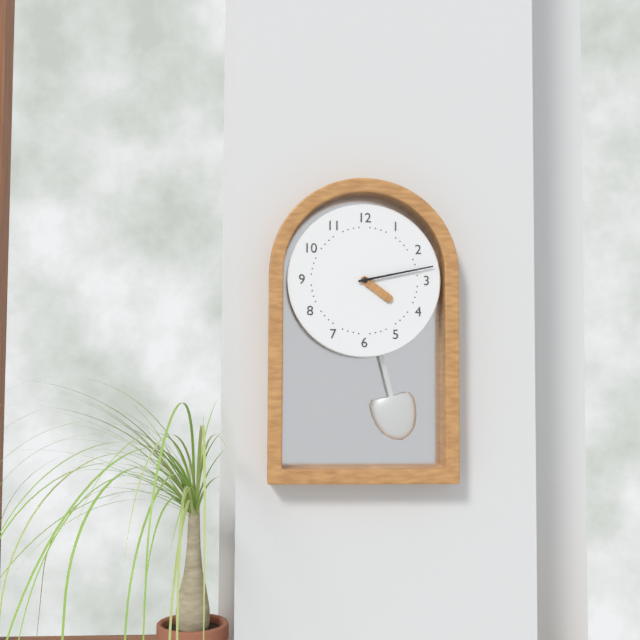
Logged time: 4,13
